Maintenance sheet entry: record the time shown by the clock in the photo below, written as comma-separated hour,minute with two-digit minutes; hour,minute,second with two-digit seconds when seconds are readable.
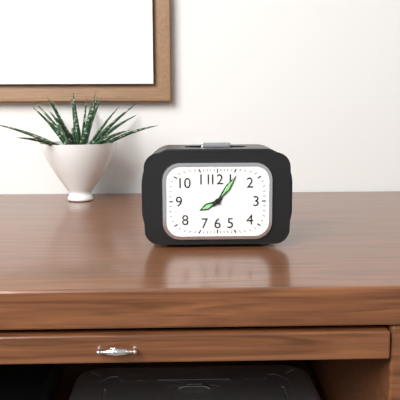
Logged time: 8,06
